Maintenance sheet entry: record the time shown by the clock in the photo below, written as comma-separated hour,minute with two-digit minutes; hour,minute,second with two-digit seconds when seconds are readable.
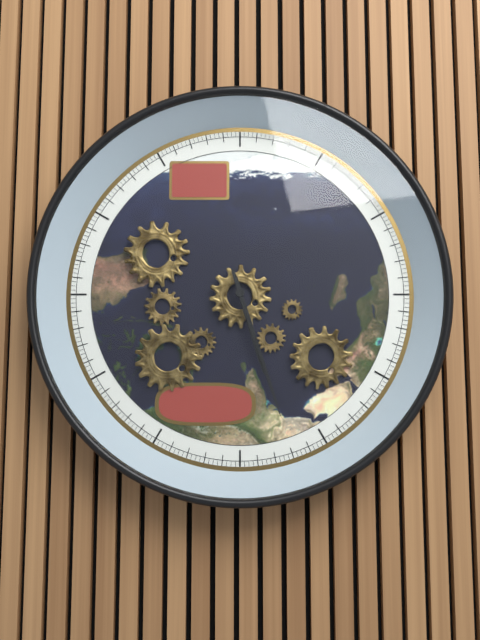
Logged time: 5,27
